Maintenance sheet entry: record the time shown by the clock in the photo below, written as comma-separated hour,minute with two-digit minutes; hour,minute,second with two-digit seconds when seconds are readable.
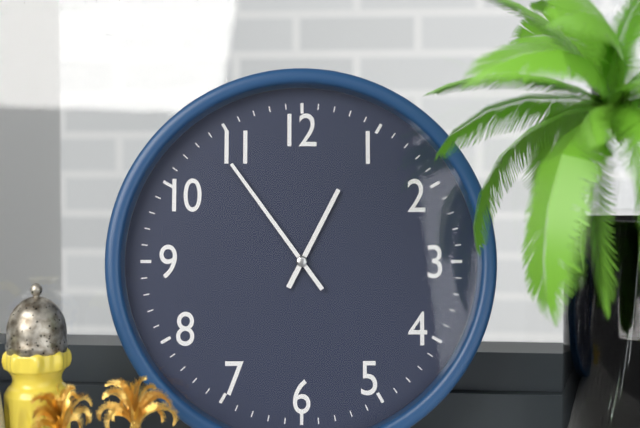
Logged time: 12,54
